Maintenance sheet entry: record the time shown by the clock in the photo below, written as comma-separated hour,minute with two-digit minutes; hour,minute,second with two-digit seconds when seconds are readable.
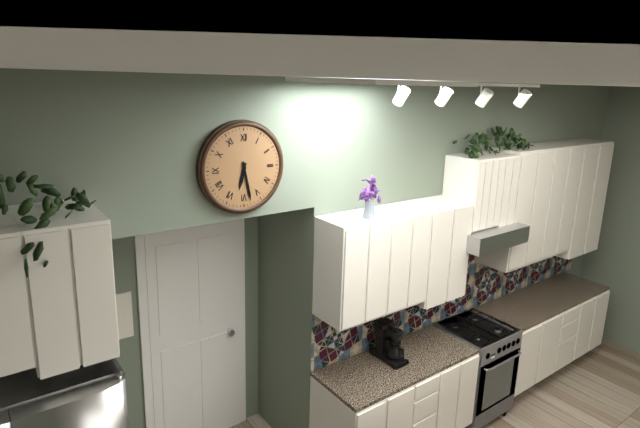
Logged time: 6,28
